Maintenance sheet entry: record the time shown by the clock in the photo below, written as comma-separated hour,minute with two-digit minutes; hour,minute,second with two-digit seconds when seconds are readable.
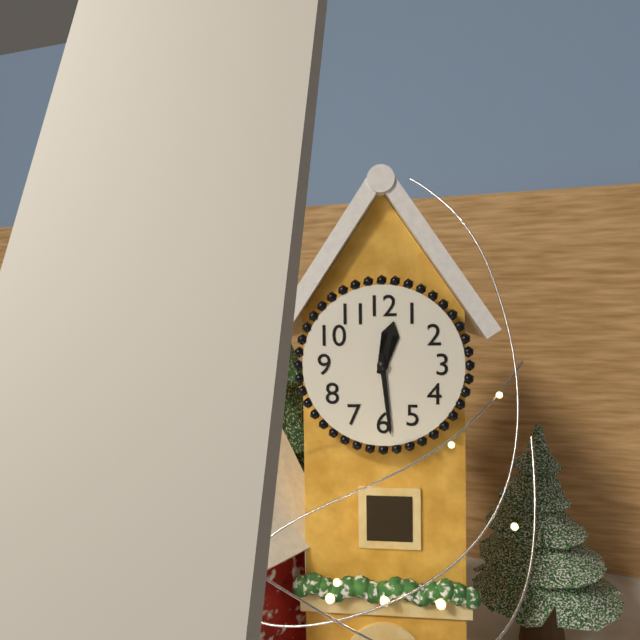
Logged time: 12,29
